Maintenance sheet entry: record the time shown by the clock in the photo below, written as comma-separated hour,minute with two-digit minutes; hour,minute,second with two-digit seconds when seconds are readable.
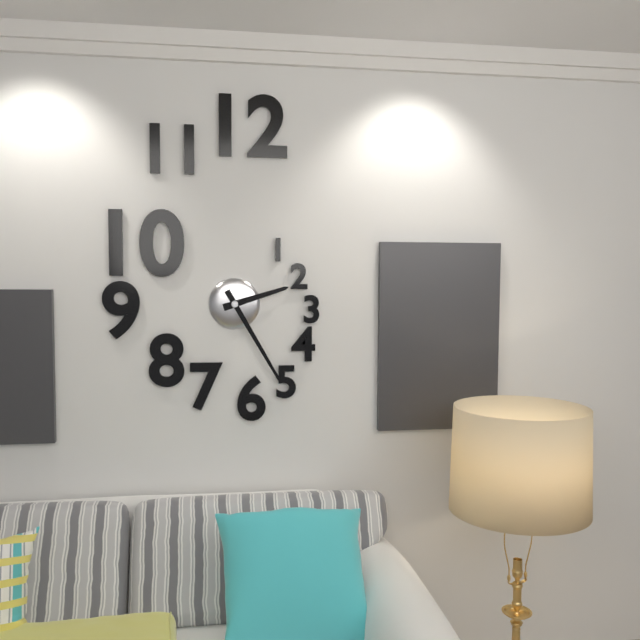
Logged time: 2,25
